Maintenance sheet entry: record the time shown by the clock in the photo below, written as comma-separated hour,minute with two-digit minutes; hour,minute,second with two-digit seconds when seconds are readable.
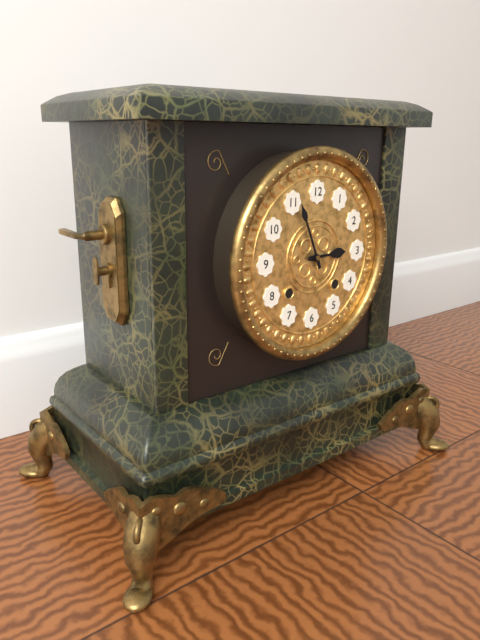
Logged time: 2,56
